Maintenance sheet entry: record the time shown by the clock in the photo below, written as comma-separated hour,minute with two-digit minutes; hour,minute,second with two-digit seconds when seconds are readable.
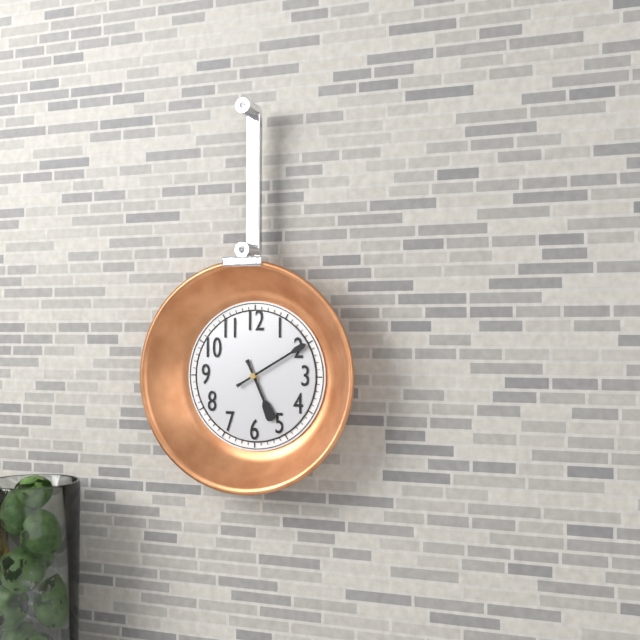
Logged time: 5,10
